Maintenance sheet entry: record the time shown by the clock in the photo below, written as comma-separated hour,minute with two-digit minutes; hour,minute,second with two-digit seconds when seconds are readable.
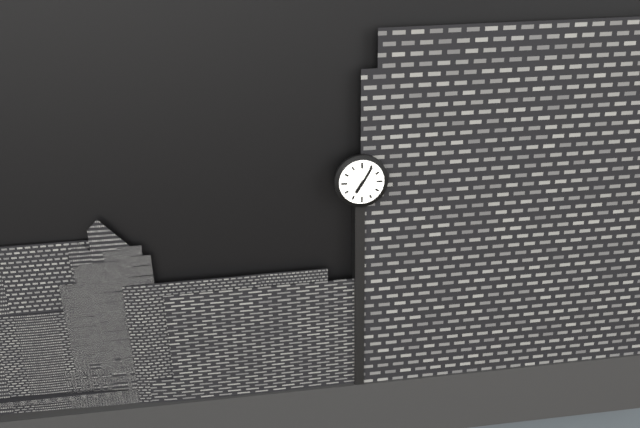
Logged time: 7,05
